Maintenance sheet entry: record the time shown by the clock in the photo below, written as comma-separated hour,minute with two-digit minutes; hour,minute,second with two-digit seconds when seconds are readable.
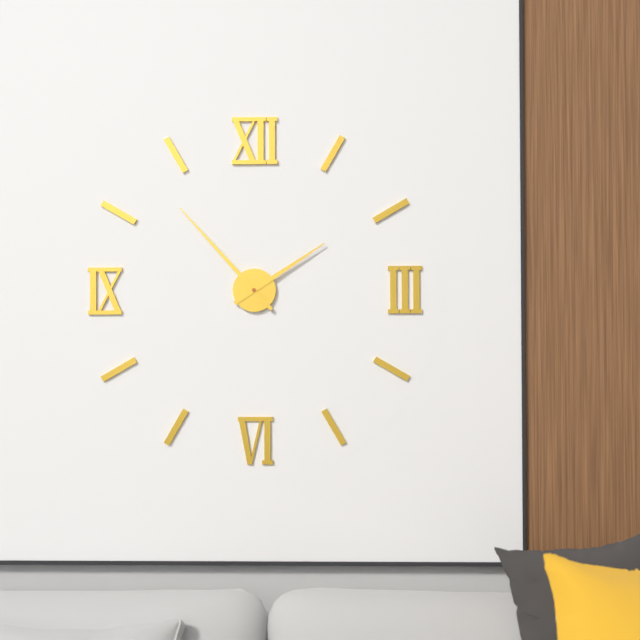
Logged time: 1,53
